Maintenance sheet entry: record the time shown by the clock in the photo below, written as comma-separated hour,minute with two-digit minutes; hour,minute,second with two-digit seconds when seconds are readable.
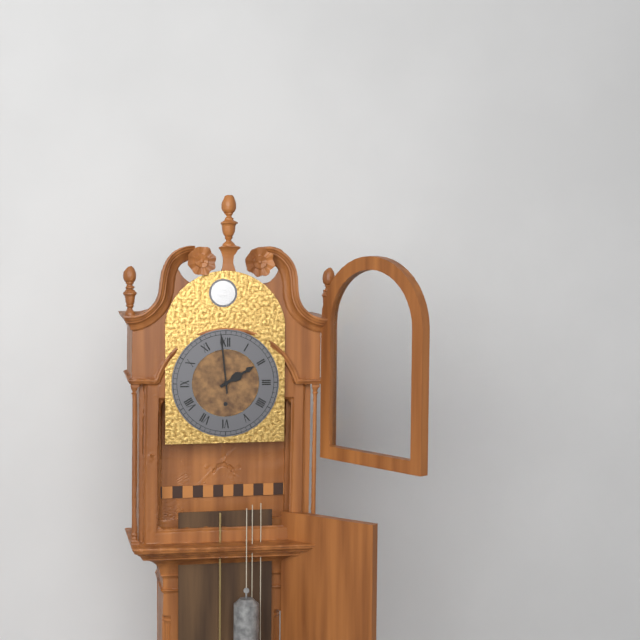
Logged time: 1,59
